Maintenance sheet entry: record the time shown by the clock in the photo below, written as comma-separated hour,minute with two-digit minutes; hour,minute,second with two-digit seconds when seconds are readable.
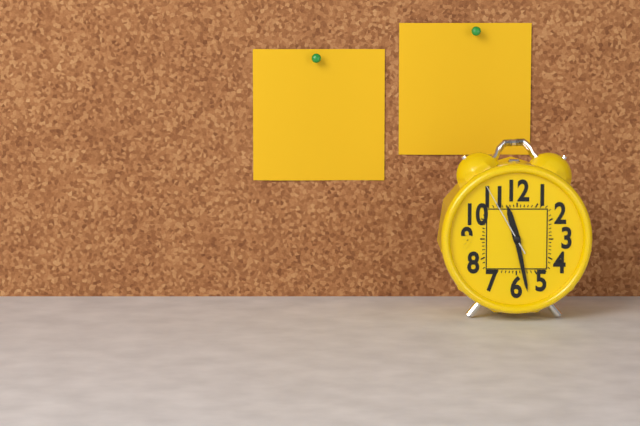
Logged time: 11,28,55
